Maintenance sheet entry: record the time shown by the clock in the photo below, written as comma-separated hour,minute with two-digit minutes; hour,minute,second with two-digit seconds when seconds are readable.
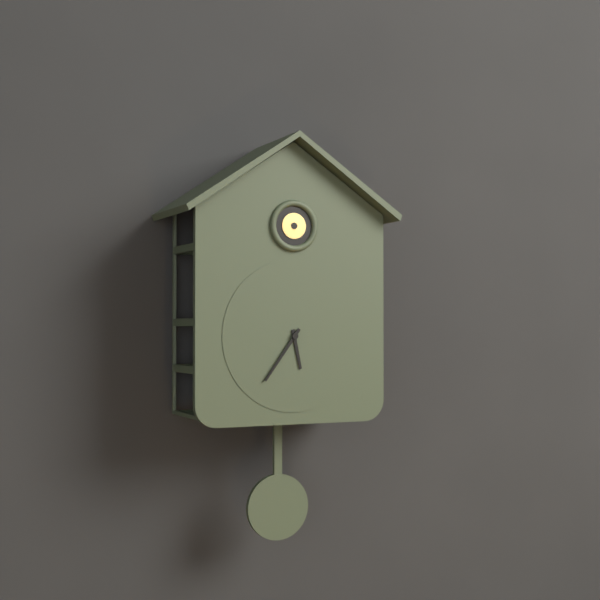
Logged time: 5,36
